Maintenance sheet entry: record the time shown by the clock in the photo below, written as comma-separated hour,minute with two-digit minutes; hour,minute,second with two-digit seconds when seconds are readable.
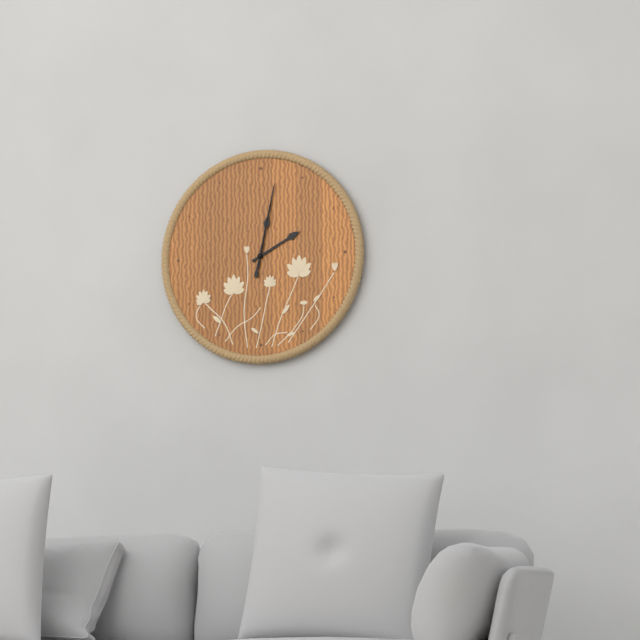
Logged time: 2,02,02
